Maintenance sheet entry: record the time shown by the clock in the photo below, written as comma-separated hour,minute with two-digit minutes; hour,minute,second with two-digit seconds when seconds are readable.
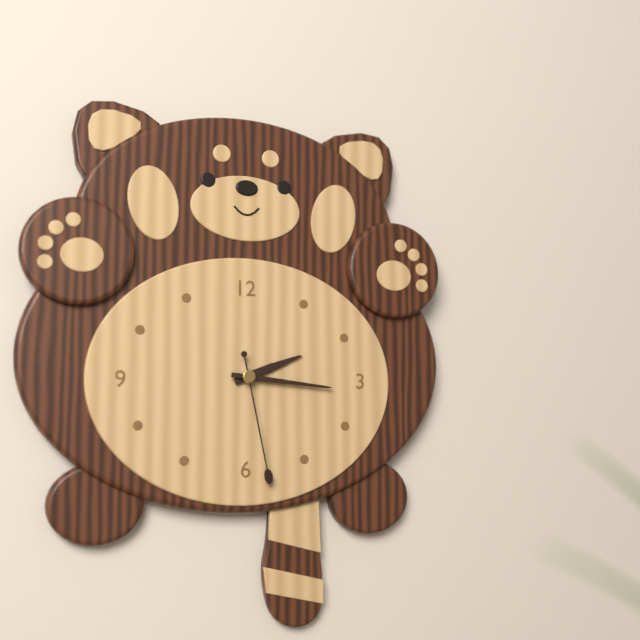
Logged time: 2,16,28
